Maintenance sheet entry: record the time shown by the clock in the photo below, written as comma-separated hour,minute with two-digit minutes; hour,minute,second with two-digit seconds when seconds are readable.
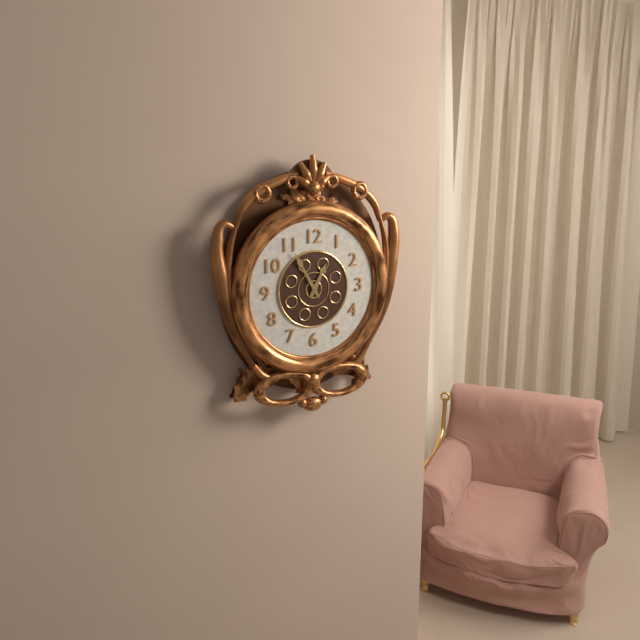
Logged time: 12,55
